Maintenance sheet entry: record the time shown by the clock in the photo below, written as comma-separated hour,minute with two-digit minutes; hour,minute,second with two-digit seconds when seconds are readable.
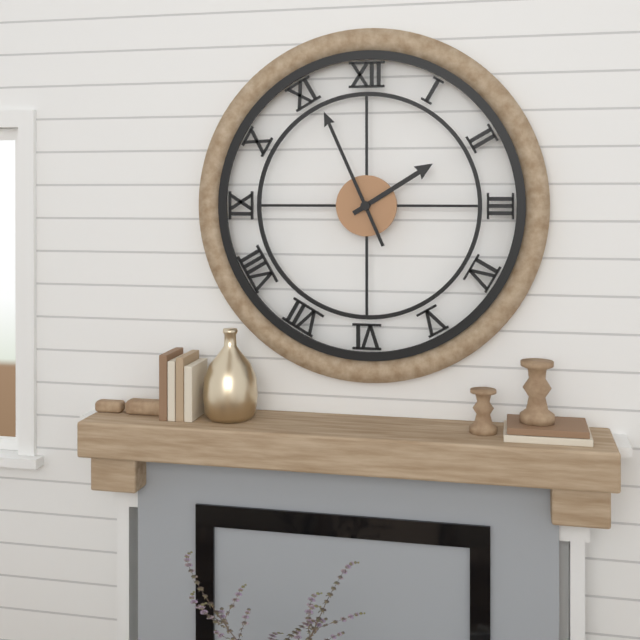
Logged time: 1,56
